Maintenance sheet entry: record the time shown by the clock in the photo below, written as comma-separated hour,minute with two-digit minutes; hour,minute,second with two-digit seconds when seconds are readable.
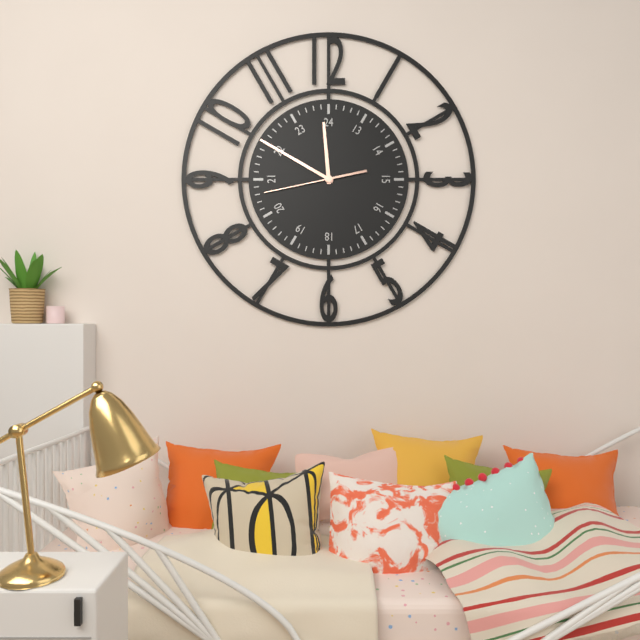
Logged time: 11,50,43
